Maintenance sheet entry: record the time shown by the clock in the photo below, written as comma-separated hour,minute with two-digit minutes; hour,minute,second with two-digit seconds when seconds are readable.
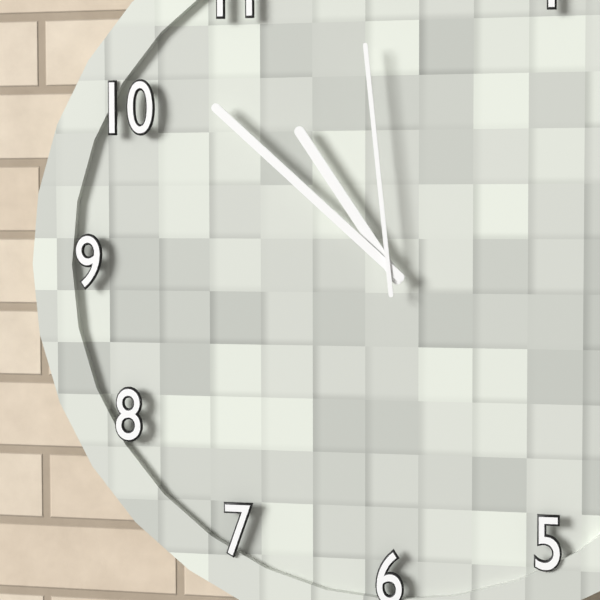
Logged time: 10,52,59
